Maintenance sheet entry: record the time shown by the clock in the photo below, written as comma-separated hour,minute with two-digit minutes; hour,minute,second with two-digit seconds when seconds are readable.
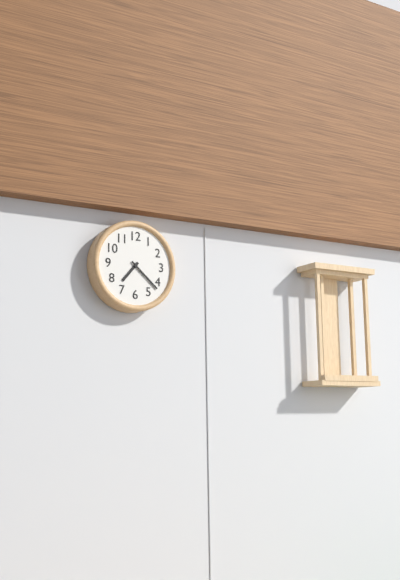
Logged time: 7,22
